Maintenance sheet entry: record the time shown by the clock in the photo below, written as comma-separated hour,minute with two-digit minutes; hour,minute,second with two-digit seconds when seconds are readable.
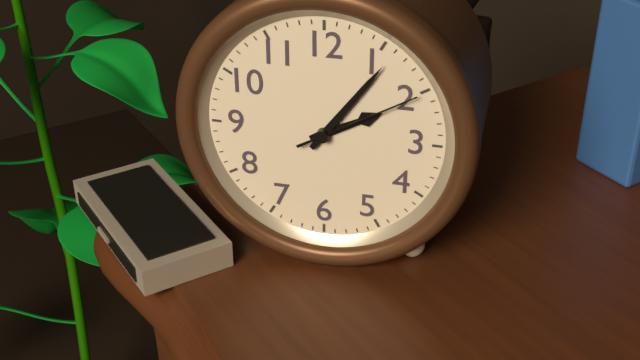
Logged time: 2,06,10
